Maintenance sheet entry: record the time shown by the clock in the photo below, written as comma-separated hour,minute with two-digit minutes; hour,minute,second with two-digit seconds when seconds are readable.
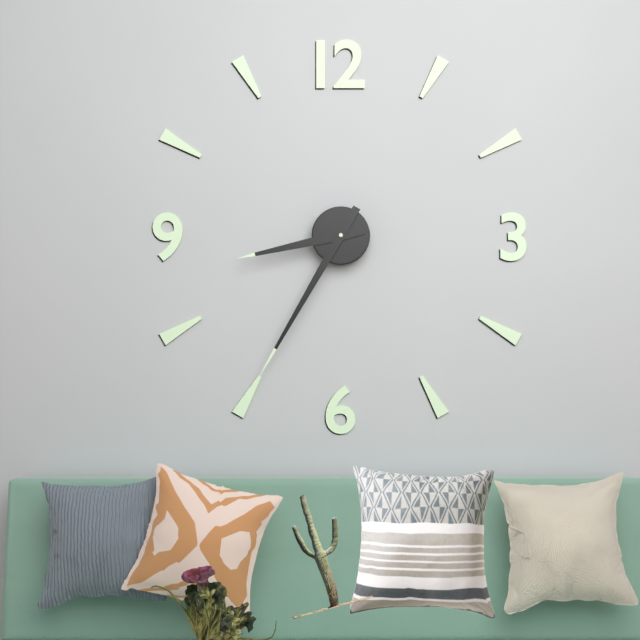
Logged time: 8,35
